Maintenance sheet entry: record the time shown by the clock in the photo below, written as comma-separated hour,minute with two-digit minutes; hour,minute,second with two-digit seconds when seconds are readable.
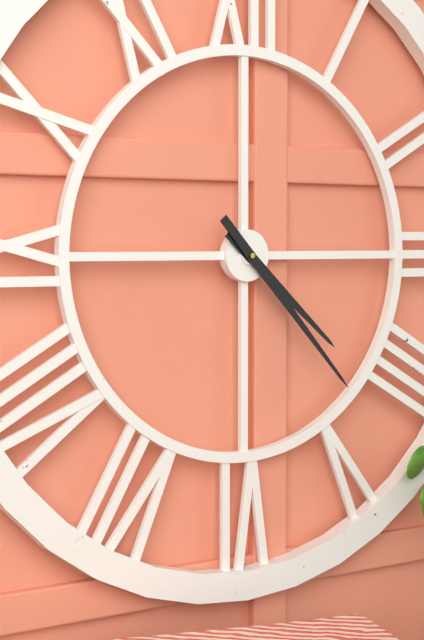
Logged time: 4,23
